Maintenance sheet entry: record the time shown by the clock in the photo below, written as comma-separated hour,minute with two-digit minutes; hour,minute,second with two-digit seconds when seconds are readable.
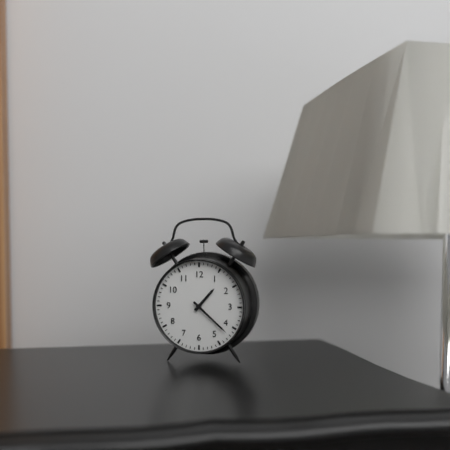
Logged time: 1,22
